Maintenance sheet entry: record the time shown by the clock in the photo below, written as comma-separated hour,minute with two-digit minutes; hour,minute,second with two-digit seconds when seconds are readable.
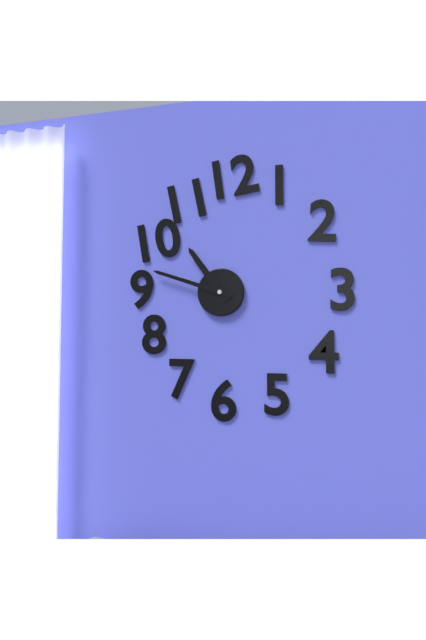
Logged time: 10,48
